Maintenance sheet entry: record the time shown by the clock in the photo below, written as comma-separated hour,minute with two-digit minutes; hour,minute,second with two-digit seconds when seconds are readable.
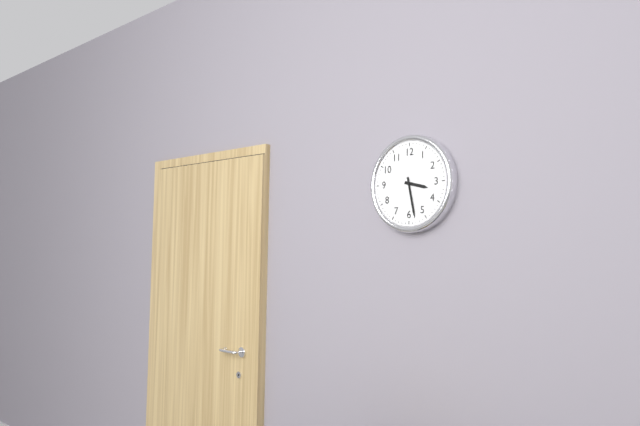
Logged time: 3,28
